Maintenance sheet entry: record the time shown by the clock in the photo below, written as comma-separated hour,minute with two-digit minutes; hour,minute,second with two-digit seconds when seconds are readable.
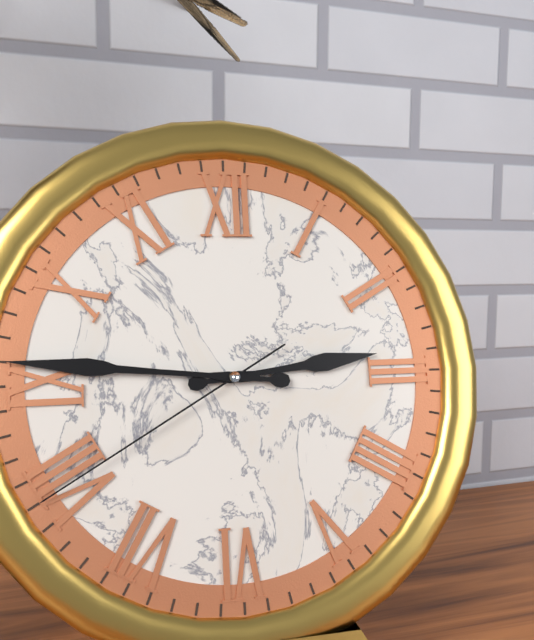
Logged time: 2,46,40
